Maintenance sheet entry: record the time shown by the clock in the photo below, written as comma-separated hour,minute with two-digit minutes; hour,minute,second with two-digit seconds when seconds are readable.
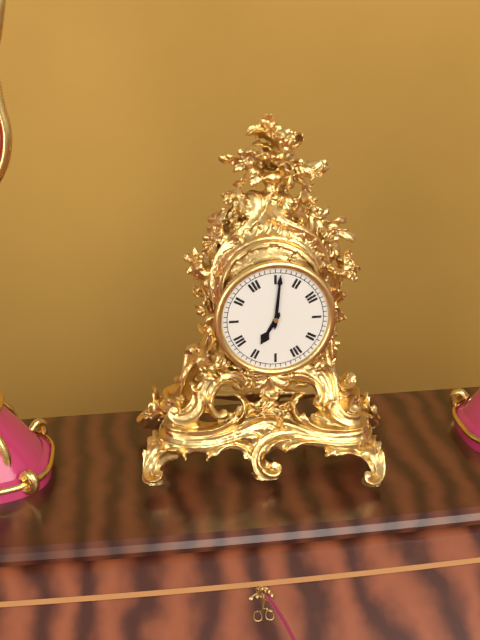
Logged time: 7,01
